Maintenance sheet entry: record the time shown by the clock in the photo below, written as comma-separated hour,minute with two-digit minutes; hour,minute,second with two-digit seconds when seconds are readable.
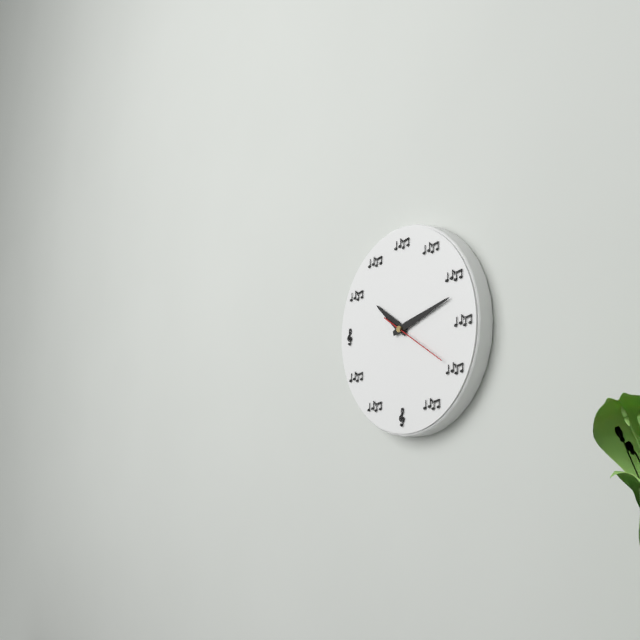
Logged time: 10,12,20
